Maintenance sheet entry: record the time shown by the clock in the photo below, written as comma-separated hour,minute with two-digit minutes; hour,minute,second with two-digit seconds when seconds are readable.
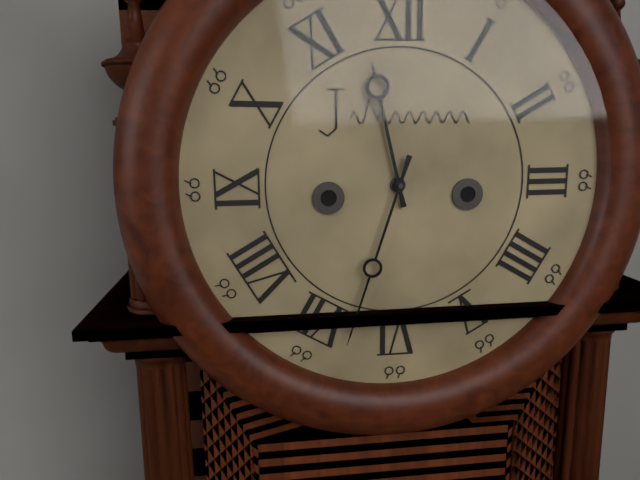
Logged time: 11,33
